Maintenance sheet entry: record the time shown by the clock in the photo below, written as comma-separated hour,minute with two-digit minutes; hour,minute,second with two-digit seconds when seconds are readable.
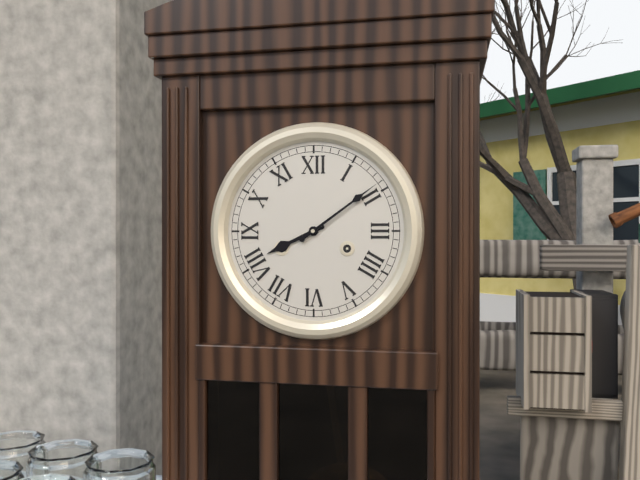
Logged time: 8,09
